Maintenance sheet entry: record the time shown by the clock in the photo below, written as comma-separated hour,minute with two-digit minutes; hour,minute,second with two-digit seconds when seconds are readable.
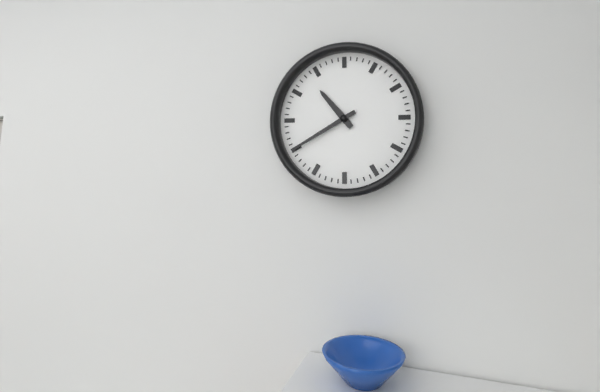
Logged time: 10,40
